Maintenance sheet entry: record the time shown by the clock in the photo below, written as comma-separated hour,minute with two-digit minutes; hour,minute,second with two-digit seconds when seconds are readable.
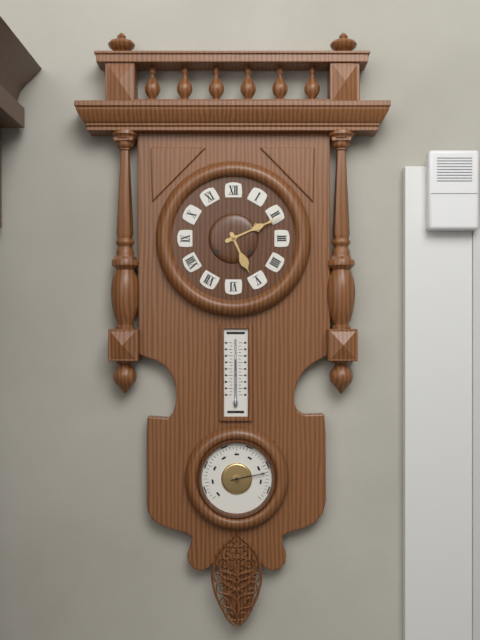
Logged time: 5,11
